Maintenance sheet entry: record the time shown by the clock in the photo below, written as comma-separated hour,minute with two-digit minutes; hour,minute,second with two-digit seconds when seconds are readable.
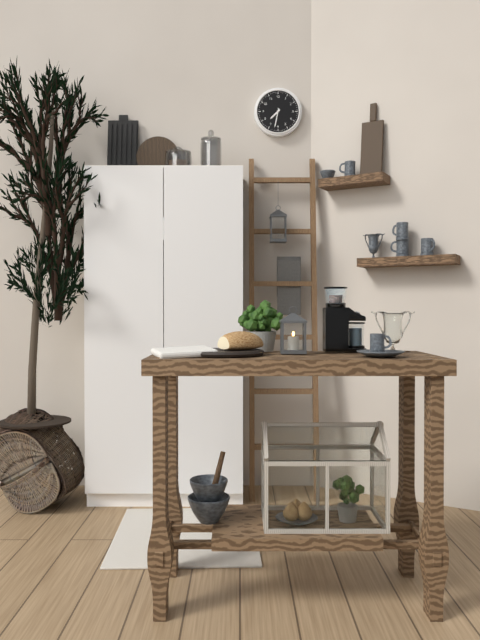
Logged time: 7,32
